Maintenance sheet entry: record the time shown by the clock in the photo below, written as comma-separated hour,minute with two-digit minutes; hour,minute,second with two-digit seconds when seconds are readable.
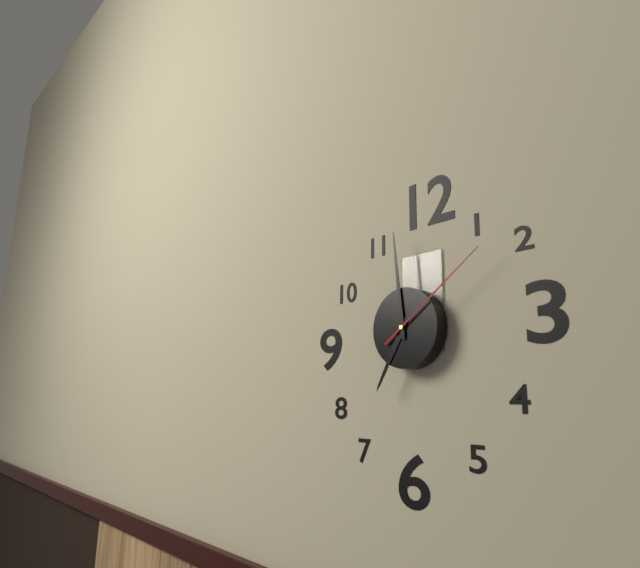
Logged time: 6,59,09
